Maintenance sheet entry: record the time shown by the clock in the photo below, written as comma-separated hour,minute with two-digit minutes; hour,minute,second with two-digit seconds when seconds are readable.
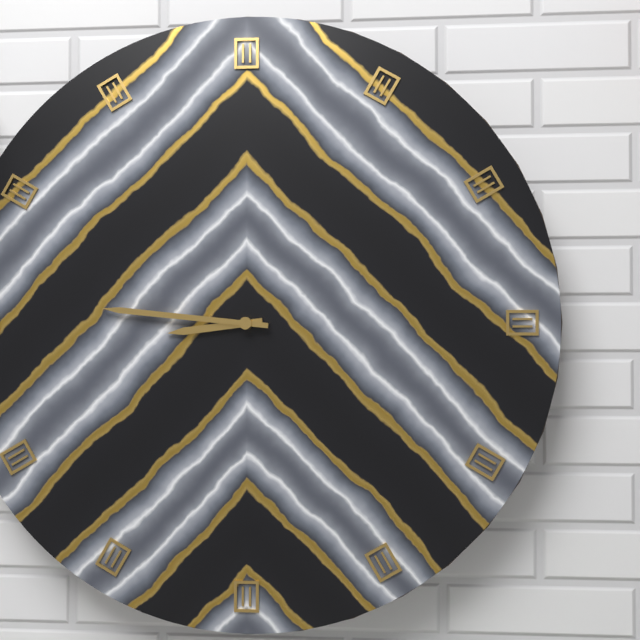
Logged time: 8,46
